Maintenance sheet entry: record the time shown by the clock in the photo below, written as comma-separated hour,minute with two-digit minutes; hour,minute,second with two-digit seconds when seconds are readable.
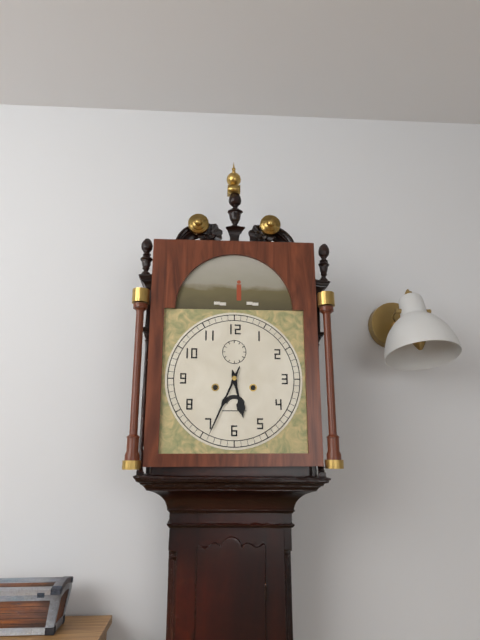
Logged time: 5,34
